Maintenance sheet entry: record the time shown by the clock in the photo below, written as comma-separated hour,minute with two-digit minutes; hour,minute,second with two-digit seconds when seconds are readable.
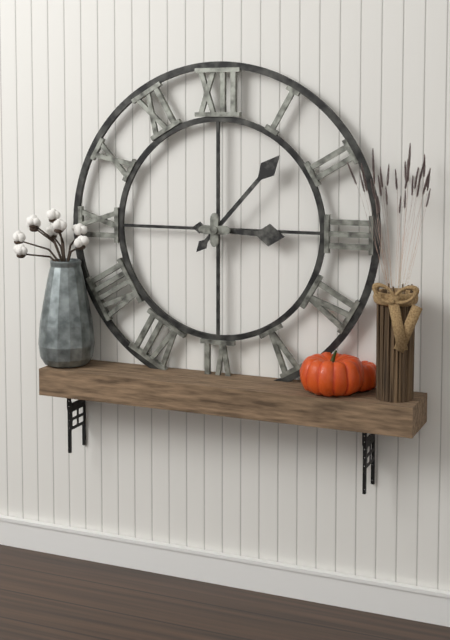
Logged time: 3,07
